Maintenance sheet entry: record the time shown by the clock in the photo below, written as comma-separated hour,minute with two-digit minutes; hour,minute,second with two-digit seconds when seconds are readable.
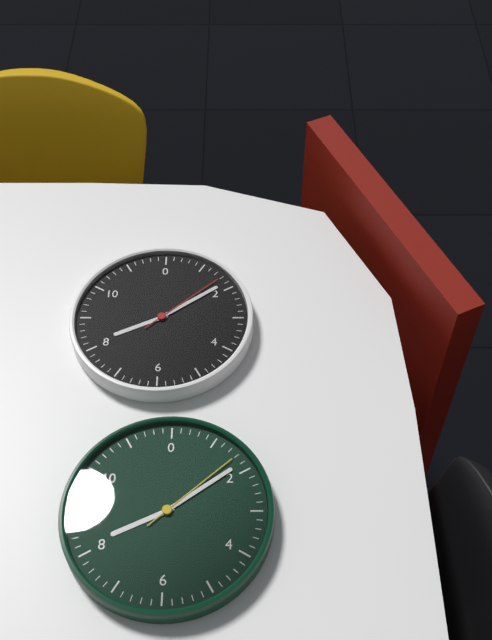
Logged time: 8,09,08
